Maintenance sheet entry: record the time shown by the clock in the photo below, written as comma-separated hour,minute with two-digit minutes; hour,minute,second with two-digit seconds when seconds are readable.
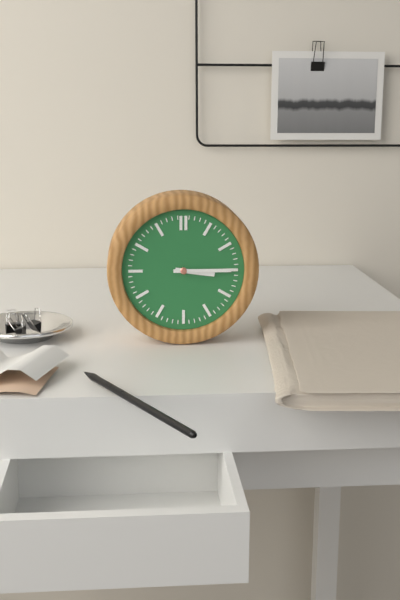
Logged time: 3,15
